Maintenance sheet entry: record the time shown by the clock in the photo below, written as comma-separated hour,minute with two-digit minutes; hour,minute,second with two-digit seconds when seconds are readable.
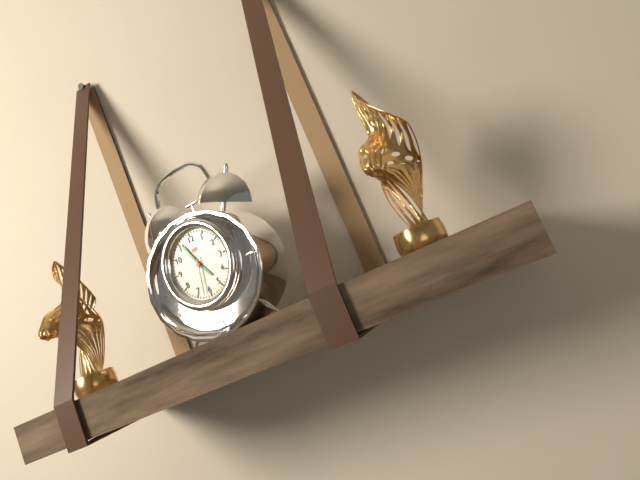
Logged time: 4,56
